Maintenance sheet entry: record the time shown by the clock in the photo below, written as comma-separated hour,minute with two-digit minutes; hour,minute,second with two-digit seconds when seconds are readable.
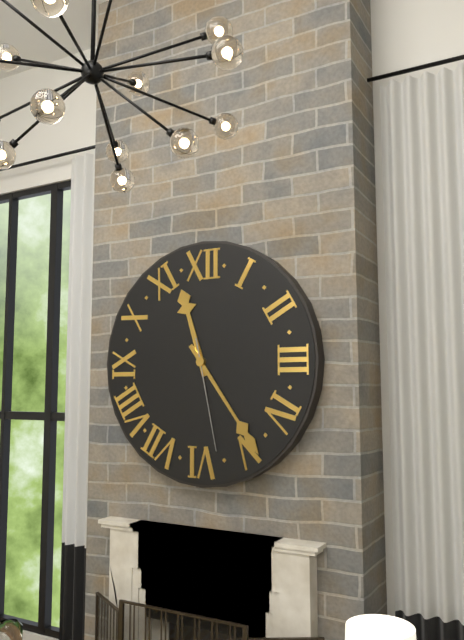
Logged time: 11,24,28
